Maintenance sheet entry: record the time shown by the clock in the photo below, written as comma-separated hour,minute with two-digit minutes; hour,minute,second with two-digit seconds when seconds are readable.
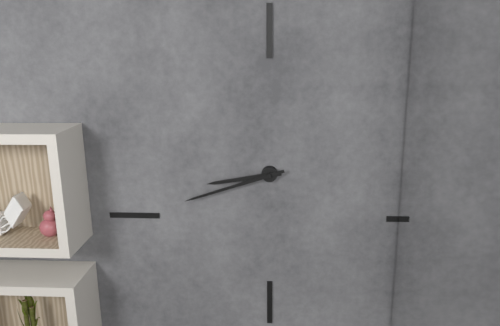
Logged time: 8,42
